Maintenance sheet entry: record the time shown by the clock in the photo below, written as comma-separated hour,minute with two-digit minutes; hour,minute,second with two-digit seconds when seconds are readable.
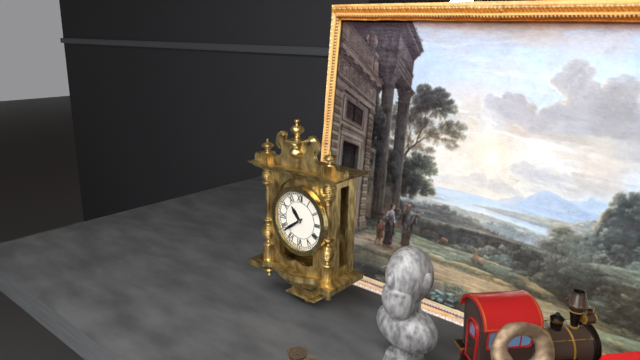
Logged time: 10,39
